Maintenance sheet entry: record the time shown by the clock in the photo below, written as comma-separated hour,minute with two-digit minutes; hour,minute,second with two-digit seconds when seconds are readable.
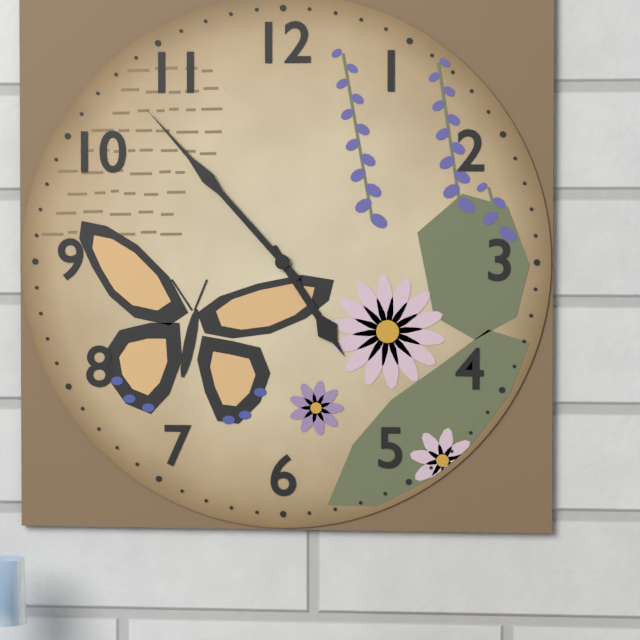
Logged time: 4,53
